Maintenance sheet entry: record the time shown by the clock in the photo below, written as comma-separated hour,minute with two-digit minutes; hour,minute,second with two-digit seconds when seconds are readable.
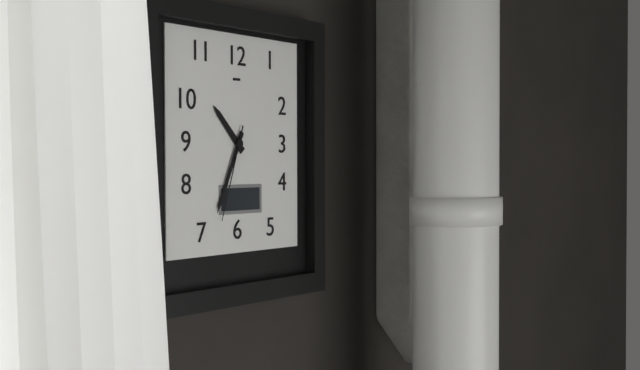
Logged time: 10,34,33
